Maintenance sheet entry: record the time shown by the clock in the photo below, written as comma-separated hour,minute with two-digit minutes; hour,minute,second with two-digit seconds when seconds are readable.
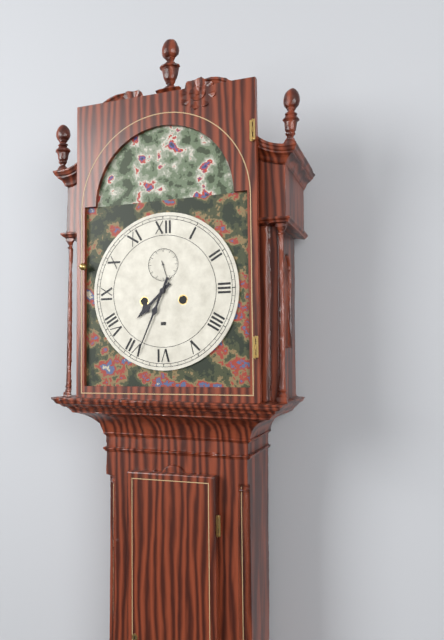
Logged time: 7,34
